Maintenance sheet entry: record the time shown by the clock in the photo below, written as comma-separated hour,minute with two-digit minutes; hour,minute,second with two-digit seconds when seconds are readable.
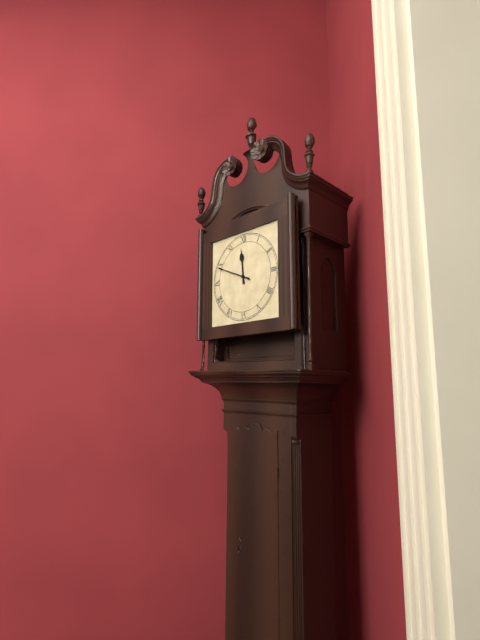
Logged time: 11,49
